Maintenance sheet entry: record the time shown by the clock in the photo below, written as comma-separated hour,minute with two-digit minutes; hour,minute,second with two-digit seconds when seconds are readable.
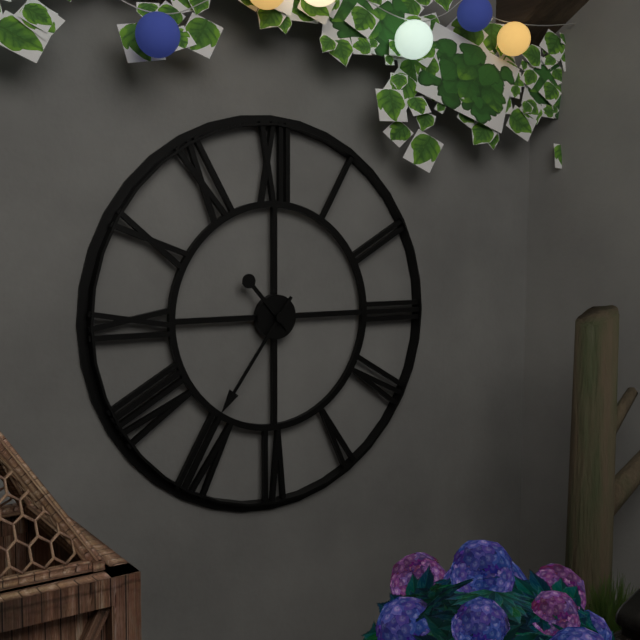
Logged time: 10,36
